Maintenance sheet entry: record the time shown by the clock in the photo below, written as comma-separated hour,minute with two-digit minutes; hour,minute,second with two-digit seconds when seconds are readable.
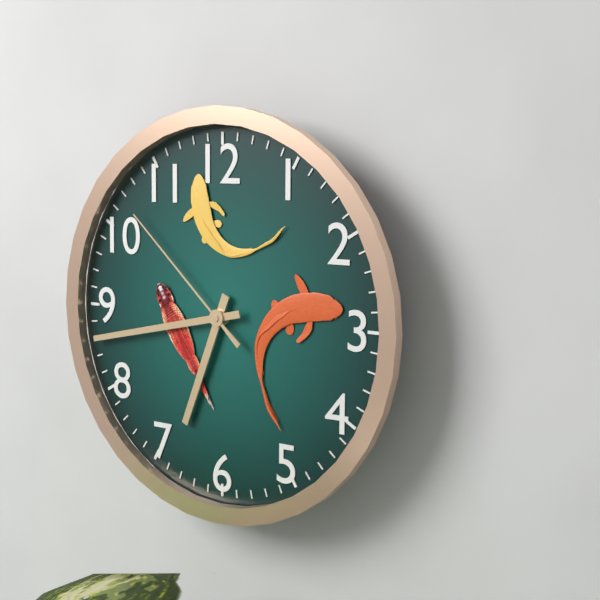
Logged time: 6,43,52
